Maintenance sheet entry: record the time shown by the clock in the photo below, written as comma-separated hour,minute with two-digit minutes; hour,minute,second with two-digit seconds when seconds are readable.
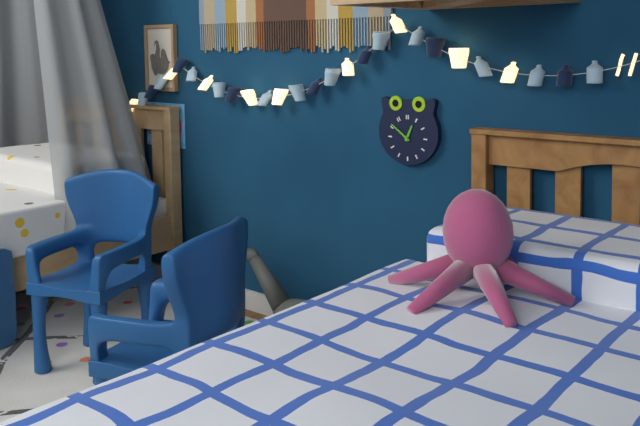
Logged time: 12,51
